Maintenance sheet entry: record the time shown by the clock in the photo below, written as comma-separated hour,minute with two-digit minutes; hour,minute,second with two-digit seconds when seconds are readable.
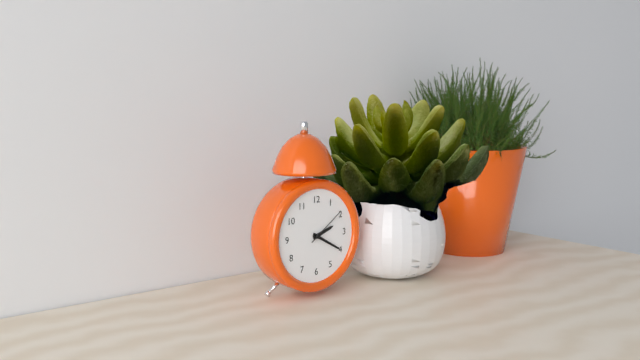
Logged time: 2,20
